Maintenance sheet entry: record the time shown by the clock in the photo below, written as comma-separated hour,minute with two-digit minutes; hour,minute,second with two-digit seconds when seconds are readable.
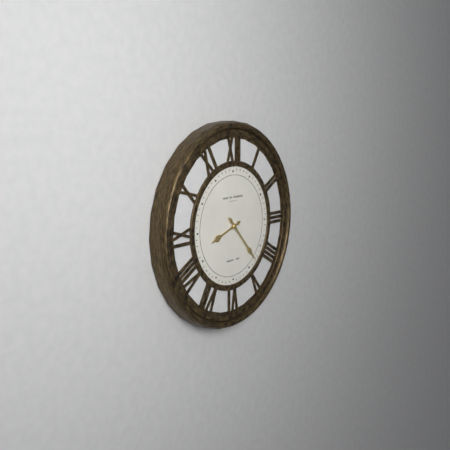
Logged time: 8,23
